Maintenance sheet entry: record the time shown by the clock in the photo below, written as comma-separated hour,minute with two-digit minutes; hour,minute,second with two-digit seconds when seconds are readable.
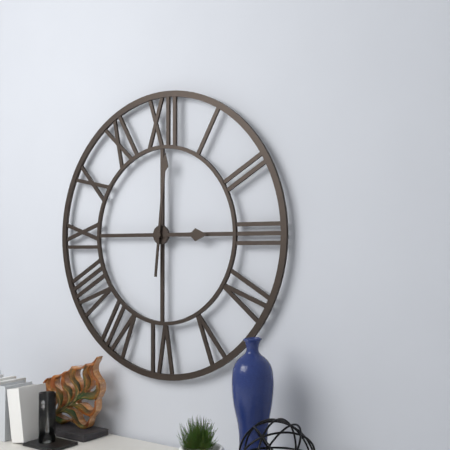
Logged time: 3,01
